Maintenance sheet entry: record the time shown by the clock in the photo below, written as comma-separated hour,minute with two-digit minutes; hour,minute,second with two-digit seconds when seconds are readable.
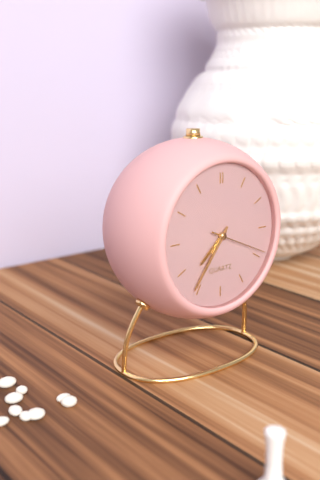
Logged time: 7,36,19
